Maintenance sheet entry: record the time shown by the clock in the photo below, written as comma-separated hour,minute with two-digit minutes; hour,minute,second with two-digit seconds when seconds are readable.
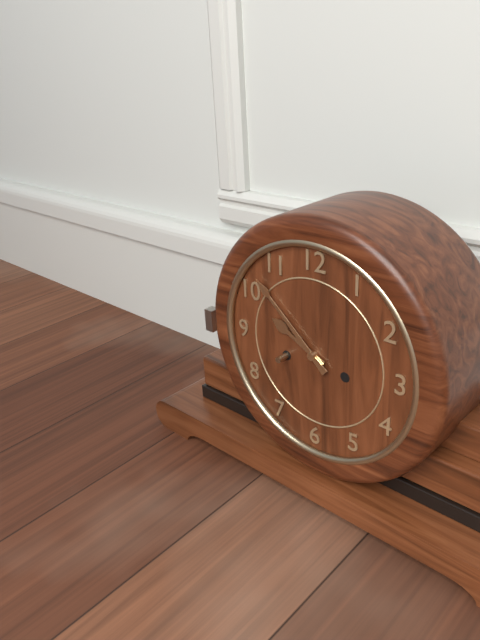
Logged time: 9,52
